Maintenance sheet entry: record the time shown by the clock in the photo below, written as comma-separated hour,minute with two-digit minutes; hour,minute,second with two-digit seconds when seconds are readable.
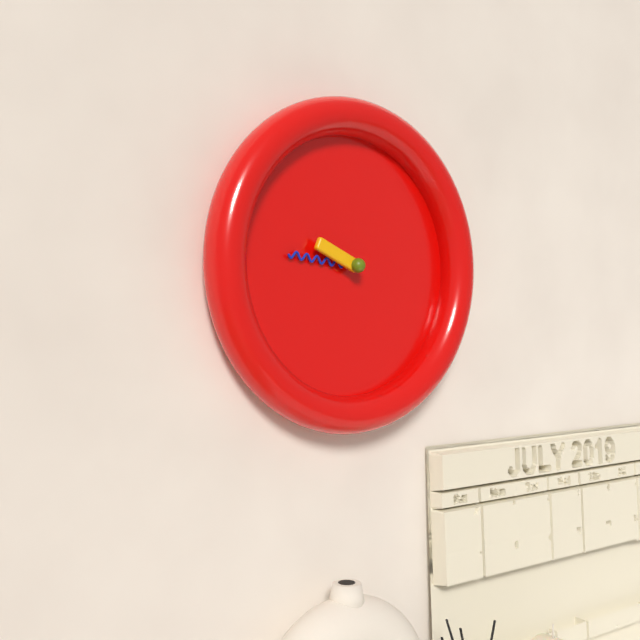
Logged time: 9,46
